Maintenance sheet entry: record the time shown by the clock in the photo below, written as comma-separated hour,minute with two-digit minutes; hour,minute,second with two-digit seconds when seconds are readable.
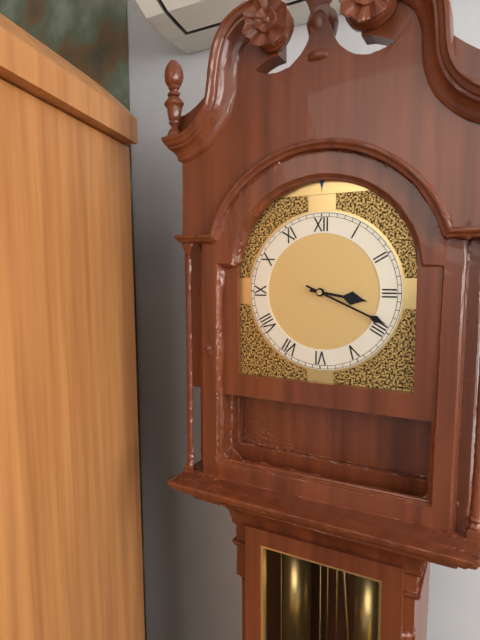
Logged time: 3,19
